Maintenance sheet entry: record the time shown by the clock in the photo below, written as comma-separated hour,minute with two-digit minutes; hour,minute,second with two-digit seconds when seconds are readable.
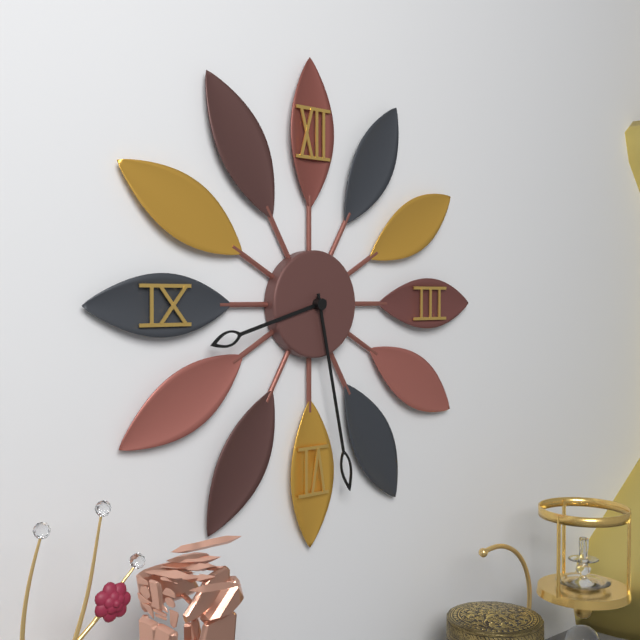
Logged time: 8,28
